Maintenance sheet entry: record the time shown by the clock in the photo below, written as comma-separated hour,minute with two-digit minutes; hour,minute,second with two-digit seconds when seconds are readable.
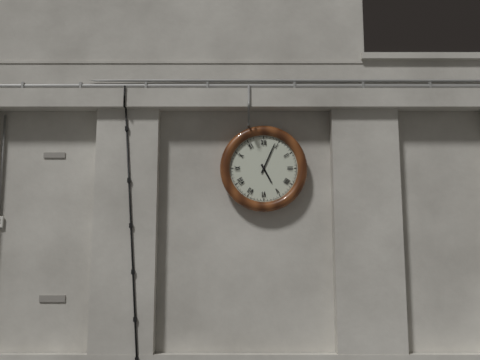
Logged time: 5,04
